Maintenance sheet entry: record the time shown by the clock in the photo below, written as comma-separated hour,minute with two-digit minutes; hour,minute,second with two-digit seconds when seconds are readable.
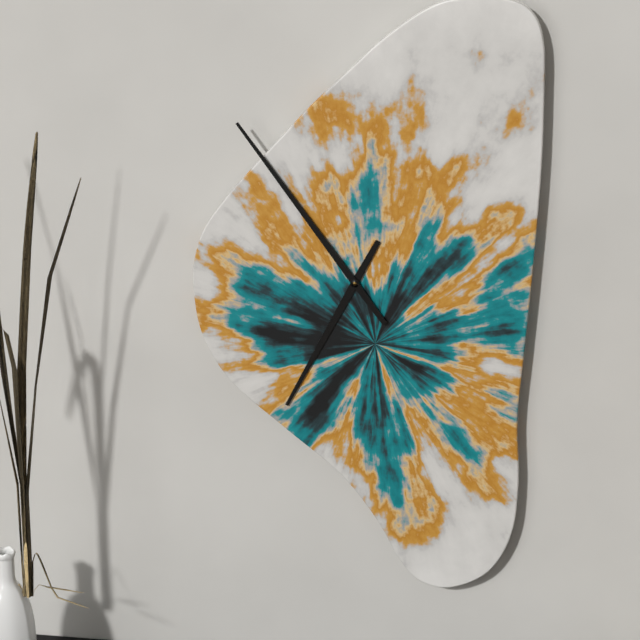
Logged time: 6,54
